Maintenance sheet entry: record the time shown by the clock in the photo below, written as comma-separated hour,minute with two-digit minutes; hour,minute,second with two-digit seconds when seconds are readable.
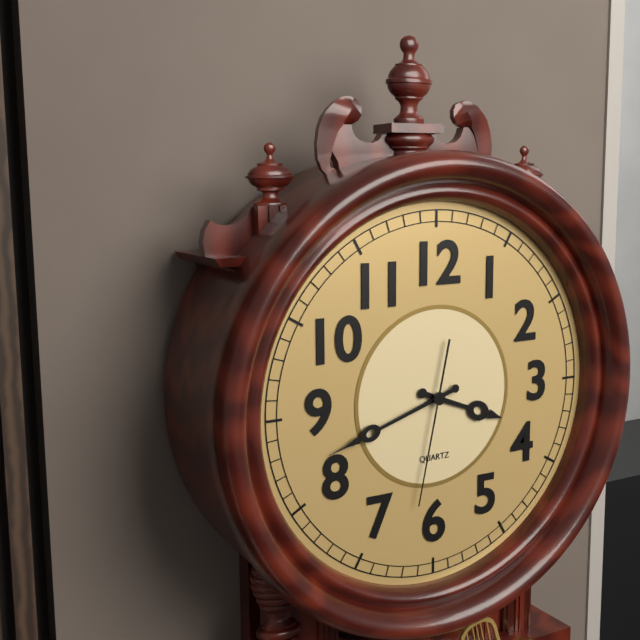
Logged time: 3,42,32
